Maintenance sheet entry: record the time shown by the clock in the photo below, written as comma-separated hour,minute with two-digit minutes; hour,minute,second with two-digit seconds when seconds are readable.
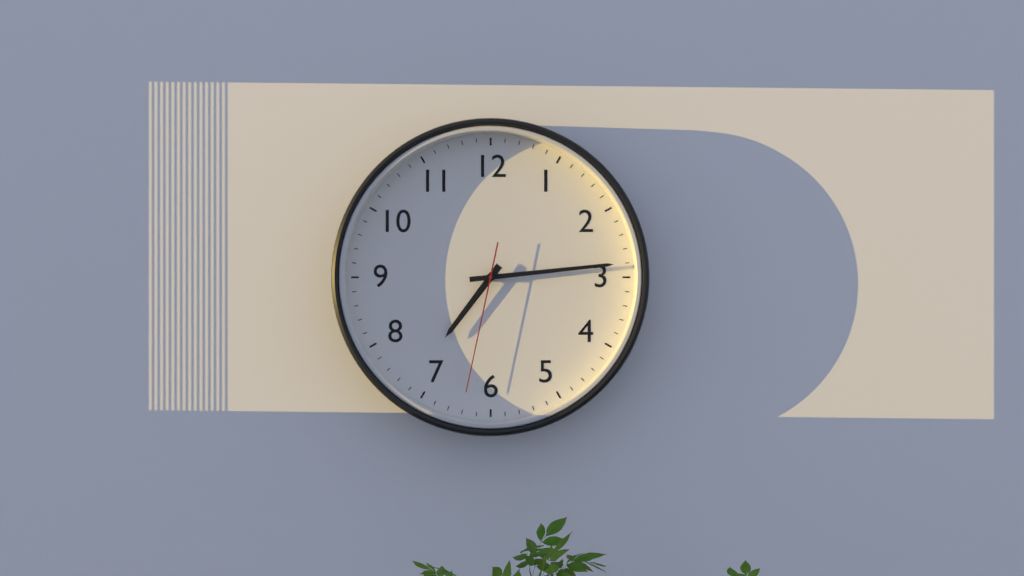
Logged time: 7,14,32
